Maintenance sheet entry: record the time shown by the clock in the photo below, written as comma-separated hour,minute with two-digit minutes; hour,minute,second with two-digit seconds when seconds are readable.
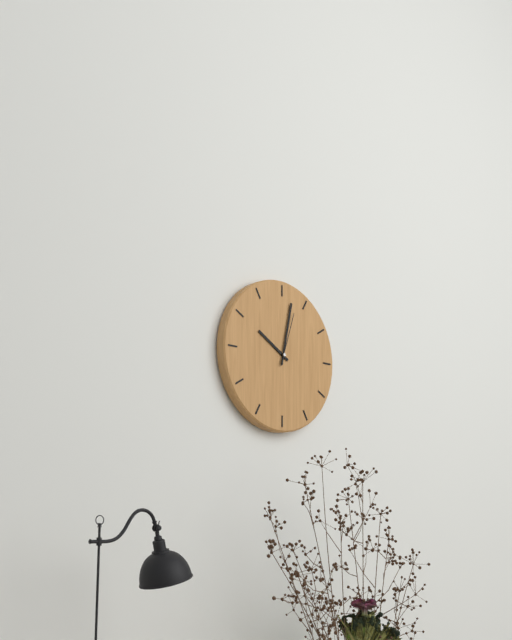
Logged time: 10,02,03
